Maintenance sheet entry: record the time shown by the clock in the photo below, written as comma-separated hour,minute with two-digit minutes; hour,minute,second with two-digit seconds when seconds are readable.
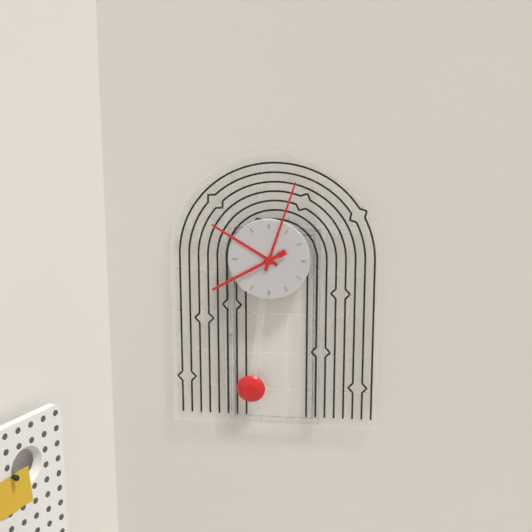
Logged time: 10,03,40
